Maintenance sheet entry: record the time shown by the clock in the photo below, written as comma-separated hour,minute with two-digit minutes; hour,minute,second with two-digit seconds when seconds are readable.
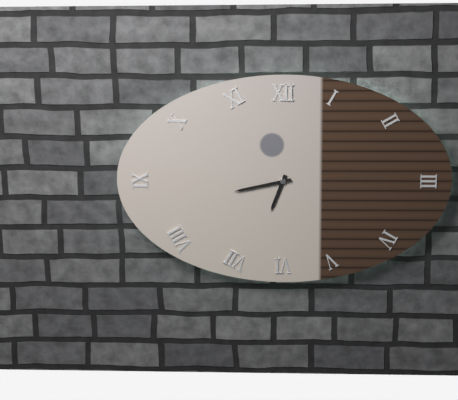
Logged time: 6,43
